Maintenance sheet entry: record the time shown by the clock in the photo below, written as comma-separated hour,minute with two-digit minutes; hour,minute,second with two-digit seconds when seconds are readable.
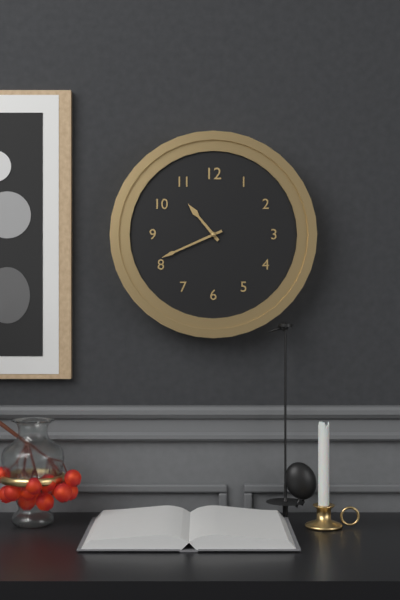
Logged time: 10,41
